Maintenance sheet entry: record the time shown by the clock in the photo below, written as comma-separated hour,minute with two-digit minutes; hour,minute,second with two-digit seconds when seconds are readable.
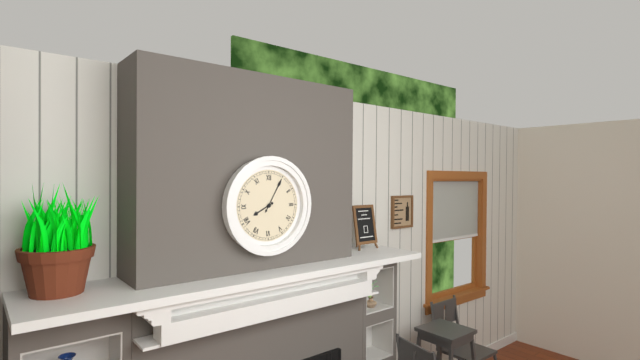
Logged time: 8,05
